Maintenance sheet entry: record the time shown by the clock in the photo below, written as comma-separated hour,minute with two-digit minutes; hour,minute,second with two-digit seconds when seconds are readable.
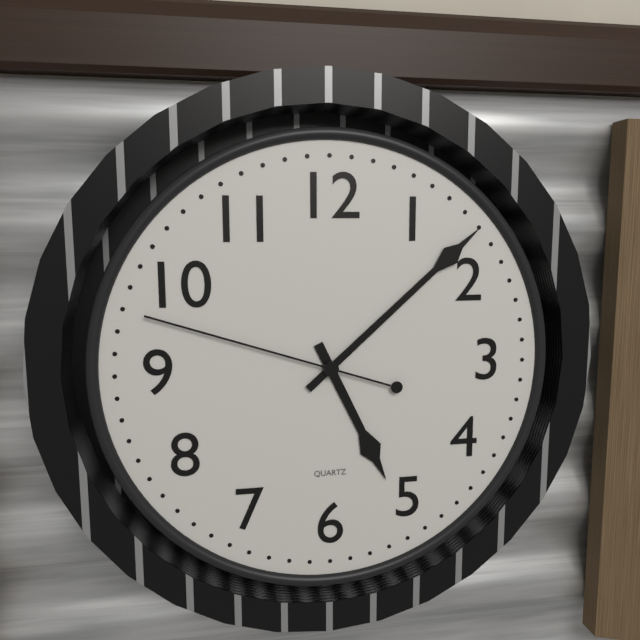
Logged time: 5,08,48
